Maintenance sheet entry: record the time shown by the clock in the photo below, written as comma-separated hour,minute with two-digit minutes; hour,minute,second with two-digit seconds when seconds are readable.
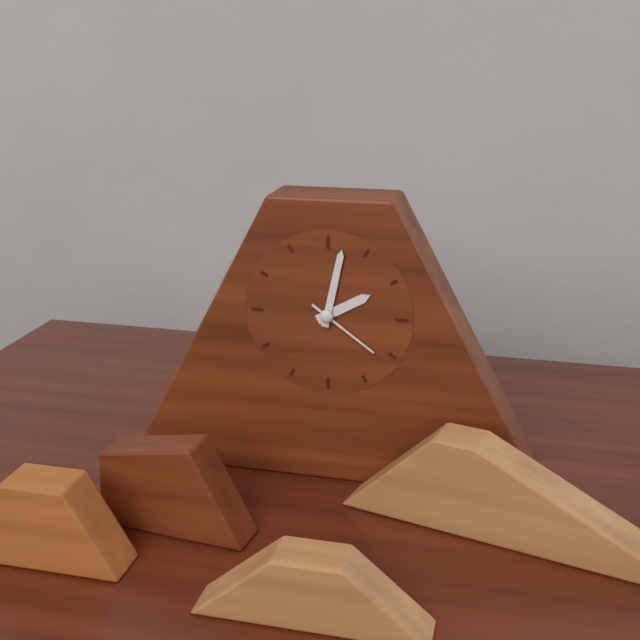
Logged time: 2,02,21
